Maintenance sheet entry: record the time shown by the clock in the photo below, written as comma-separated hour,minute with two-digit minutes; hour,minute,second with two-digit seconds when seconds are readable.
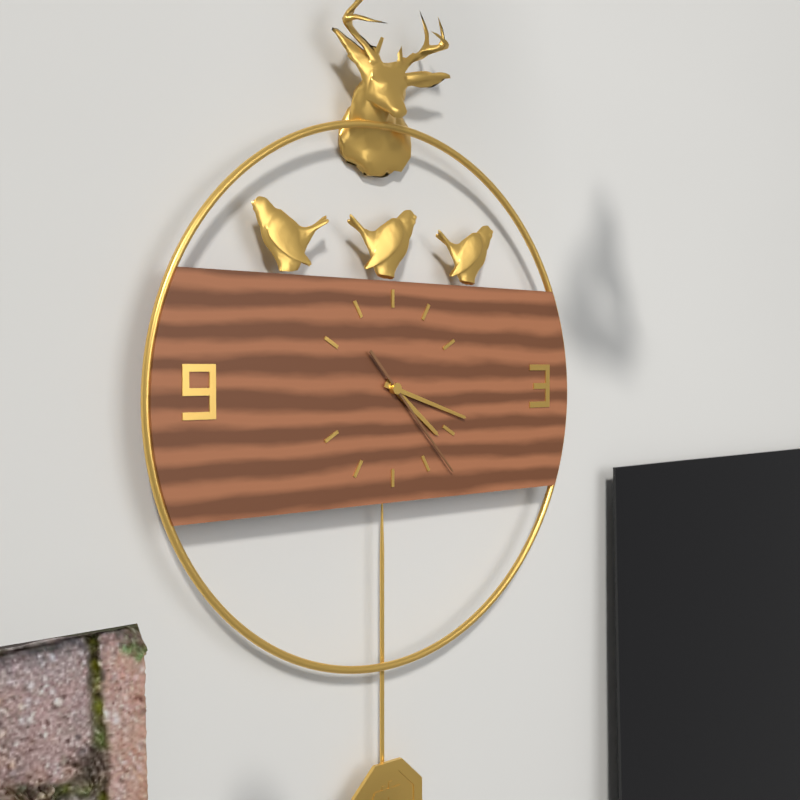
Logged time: 4,18,23
